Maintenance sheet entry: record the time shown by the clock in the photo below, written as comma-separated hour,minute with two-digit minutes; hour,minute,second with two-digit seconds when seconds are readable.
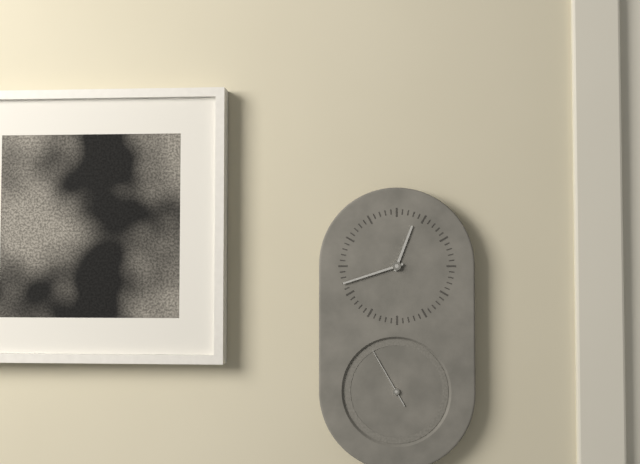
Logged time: 12,42,55
